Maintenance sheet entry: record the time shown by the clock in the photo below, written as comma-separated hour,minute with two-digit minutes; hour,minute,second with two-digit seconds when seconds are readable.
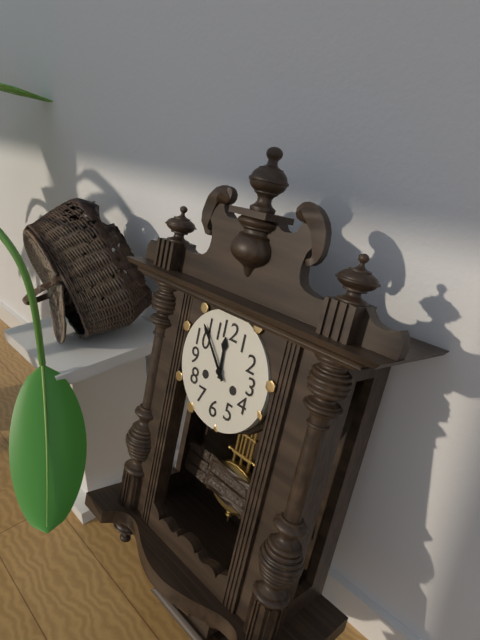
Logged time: 11,53
